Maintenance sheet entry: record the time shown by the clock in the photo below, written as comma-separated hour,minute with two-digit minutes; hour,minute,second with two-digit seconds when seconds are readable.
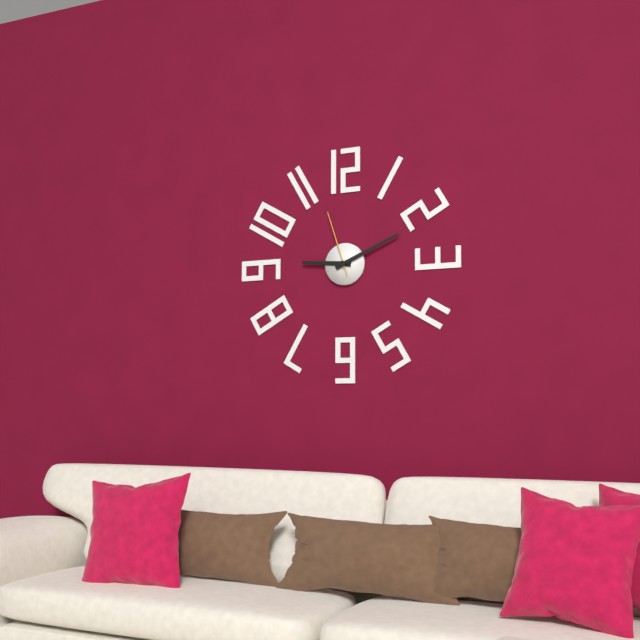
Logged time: 9,11,57
